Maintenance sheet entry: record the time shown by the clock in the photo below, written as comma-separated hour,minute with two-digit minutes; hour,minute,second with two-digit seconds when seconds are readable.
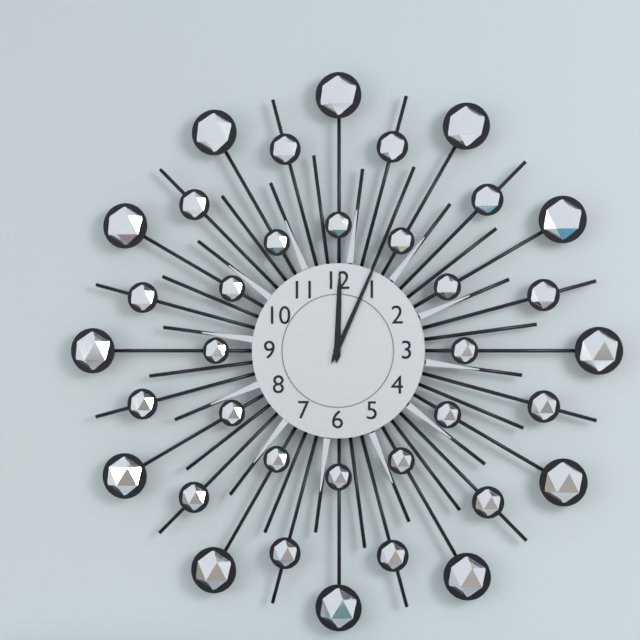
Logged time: 12,04
